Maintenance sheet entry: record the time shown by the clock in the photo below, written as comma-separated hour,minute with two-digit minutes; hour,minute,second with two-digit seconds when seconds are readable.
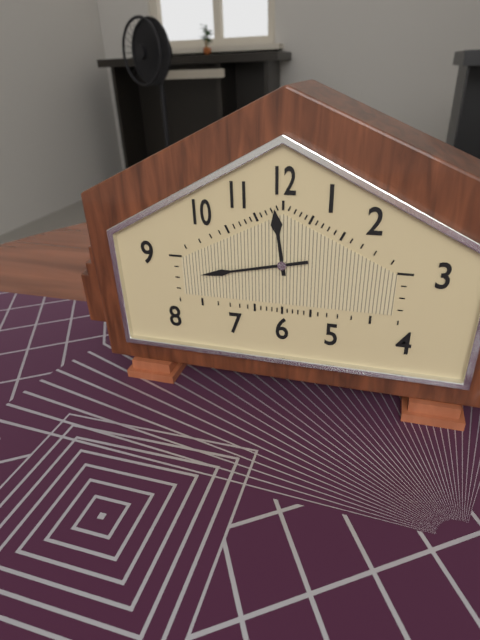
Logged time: 11,43
